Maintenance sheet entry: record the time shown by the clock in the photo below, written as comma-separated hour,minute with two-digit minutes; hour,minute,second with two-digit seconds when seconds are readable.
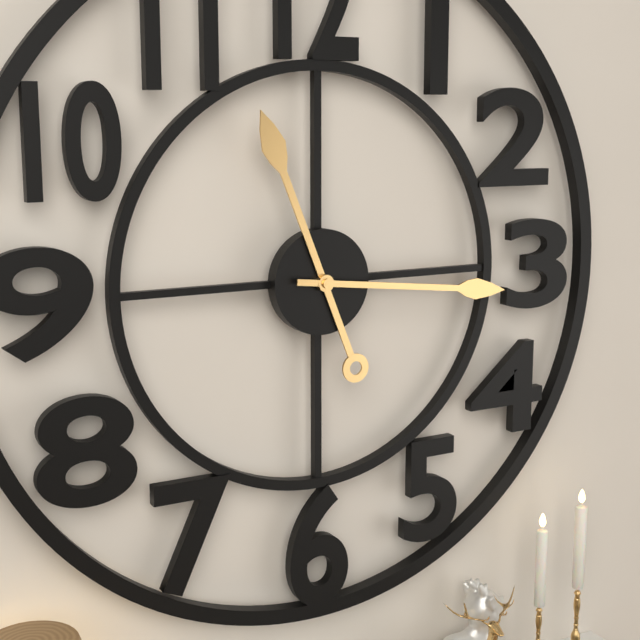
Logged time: 11,16
